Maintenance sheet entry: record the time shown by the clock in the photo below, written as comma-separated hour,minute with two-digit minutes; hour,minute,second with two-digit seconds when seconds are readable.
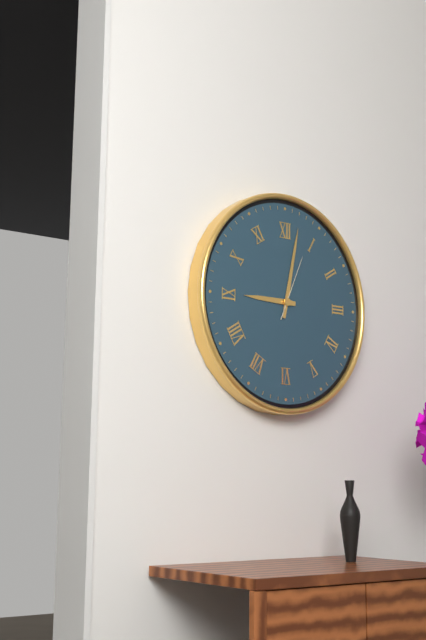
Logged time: 9,02,04
